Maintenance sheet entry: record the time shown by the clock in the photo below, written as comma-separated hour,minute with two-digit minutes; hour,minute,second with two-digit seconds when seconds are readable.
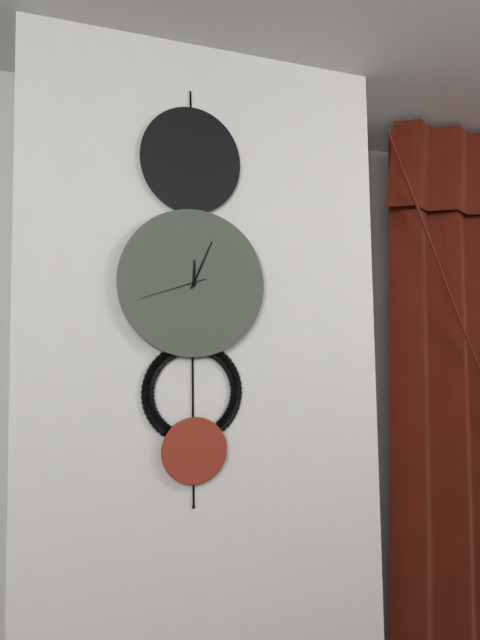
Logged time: 12,04,42
